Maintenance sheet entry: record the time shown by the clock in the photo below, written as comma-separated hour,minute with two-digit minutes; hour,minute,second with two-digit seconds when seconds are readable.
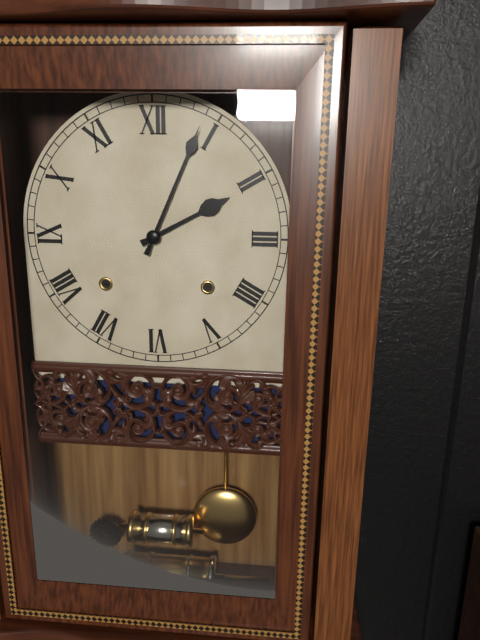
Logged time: 2,04
